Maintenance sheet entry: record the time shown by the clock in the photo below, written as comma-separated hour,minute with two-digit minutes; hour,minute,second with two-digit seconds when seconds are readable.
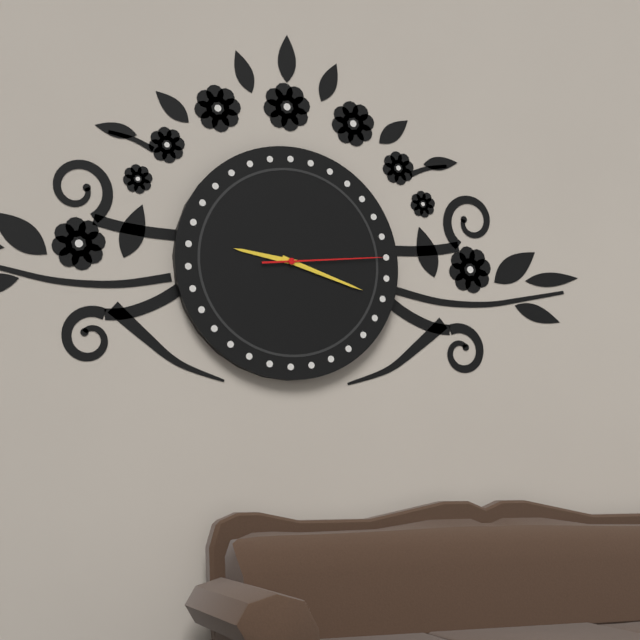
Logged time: 9,18,14
